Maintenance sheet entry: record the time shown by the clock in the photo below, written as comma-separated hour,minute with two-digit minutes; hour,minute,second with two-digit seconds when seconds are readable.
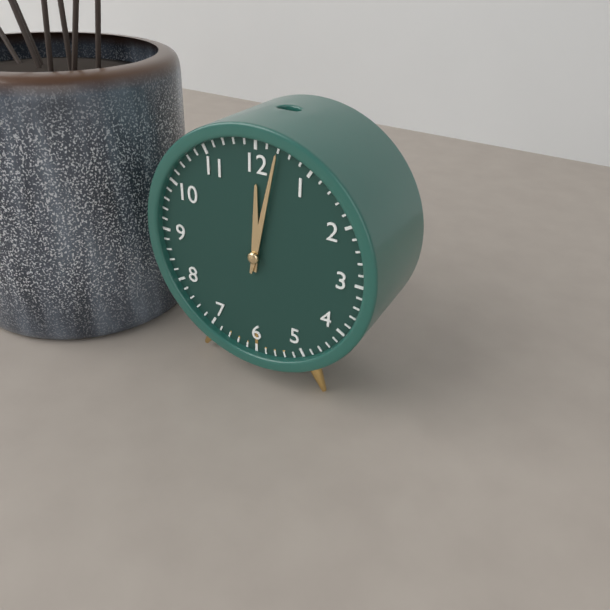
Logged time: 12,02
